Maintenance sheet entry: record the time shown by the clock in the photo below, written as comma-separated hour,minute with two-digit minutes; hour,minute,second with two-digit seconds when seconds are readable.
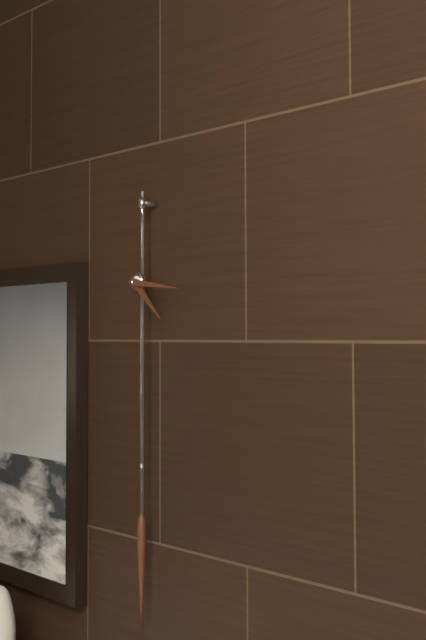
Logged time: 4,16
